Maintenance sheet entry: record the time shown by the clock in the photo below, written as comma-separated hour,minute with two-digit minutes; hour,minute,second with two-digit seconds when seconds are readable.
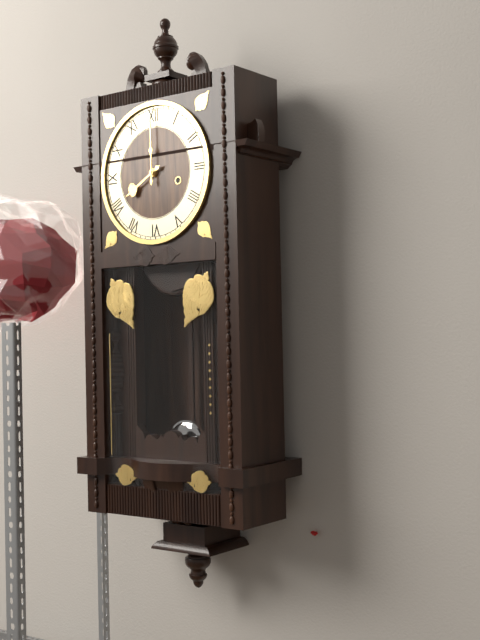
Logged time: 8,00
